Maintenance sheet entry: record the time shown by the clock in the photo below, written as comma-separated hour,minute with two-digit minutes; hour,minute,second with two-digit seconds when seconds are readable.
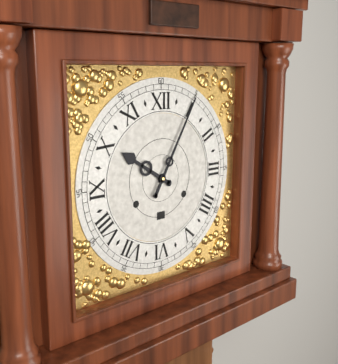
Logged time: 10,05
